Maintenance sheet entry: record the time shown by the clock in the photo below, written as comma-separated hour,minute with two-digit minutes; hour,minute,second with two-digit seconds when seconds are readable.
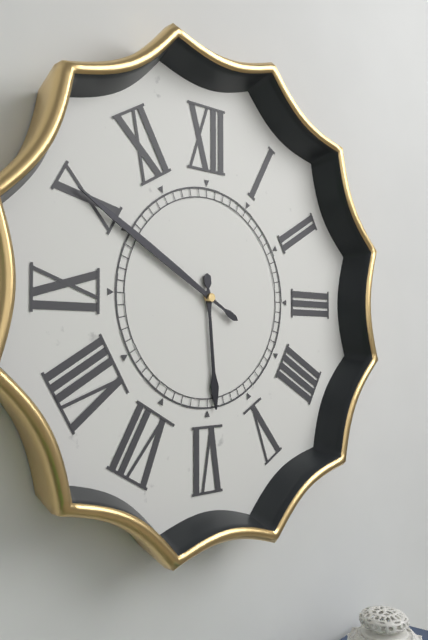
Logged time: 5,50
